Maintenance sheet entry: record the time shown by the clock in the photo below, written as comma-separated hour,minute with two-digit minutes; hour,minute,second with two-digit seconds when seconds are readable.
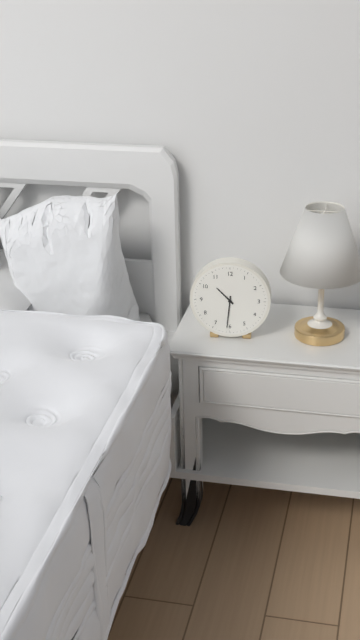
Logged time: 10,31
